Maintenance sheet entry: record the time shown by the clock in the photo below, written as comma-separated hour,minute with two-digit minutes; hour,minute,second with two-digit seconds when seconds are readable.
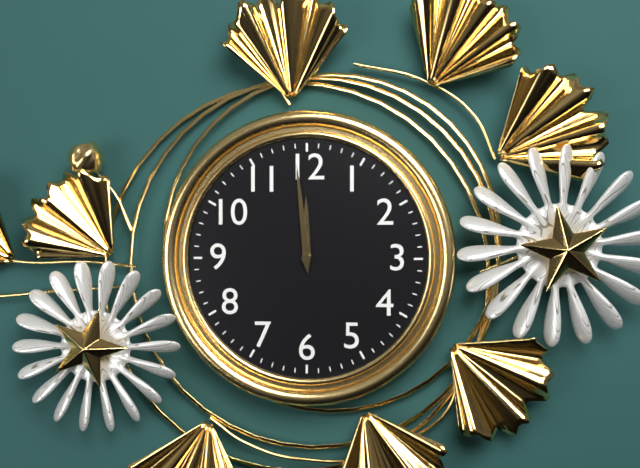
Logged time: 11,59
